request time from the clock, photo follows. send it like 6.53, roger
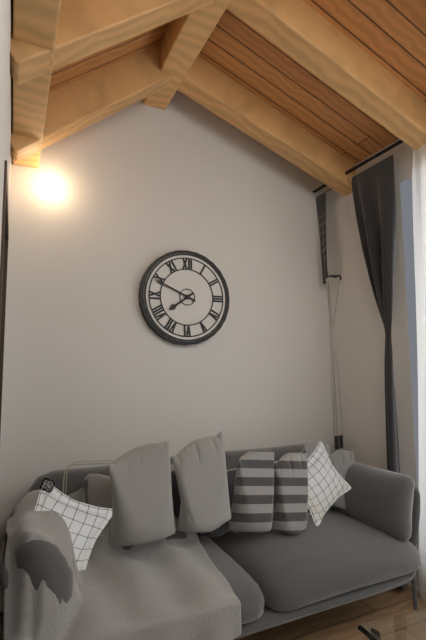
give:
7.49
